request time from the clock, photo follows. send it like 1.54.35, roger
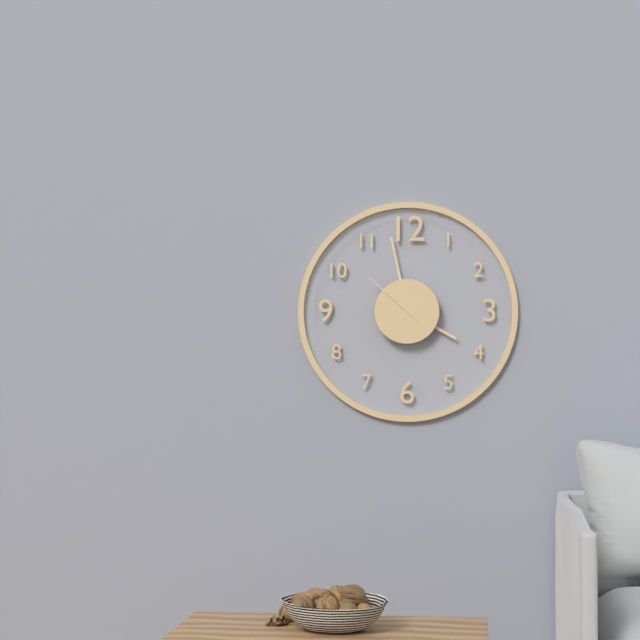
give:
3.58.52
